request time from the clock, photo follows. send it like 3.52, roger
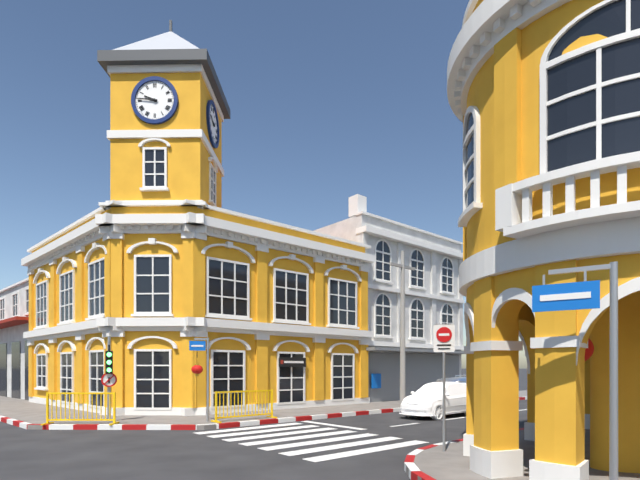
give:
9.46
